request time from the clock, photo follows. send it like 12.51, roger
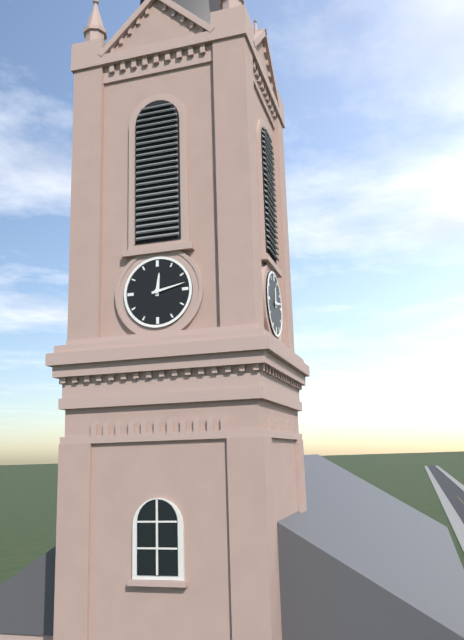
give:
12.13
